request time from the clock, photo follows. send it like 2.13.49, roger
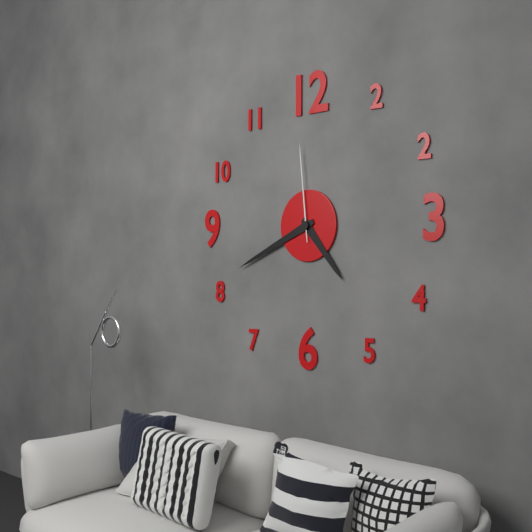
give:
4.41.59
